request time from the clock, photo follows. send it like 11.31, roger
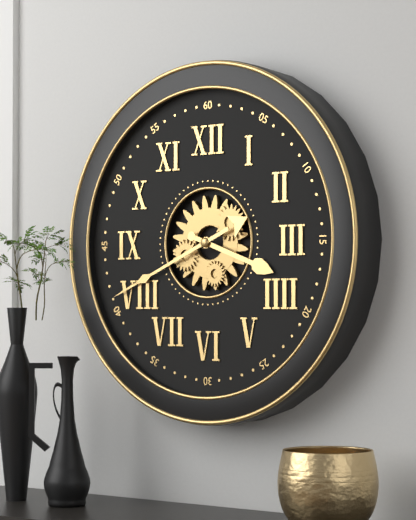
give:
3.41
